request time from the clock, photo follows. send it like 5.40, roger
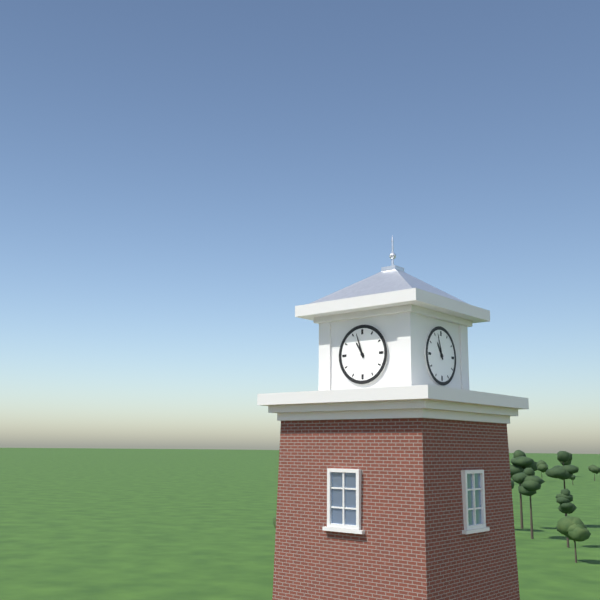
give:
10.57
